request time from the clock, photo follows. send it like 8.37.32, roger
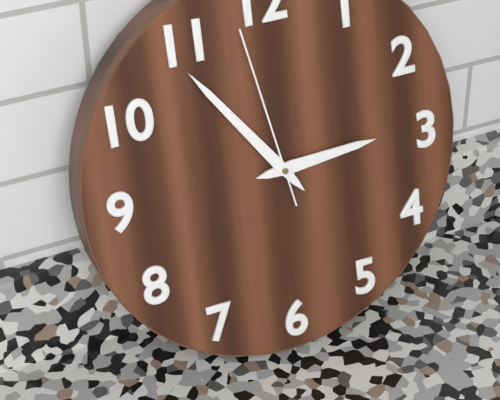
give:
2.54.58
